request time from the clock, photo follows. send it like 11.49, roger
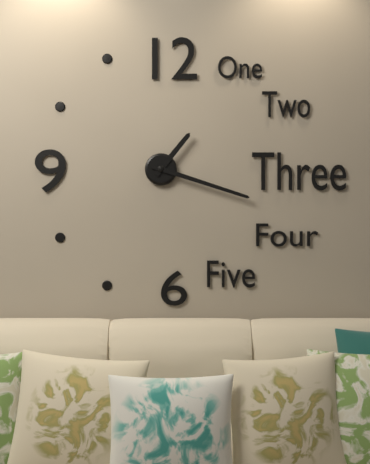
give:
1.18
